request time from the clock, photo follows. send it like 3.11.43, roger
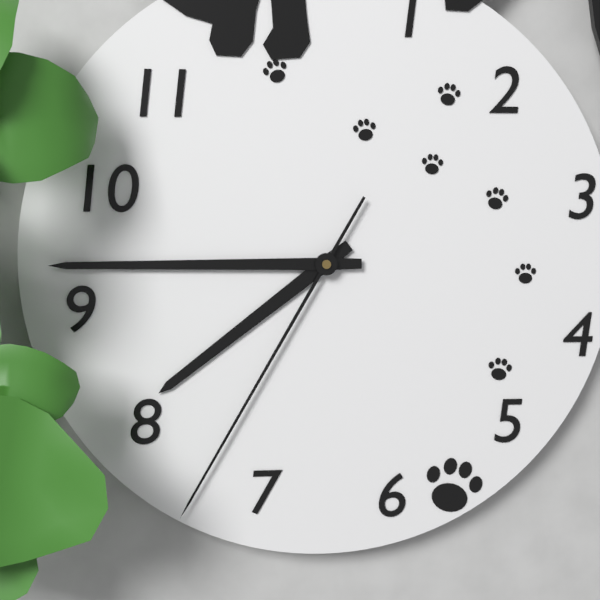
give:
7.45.35
